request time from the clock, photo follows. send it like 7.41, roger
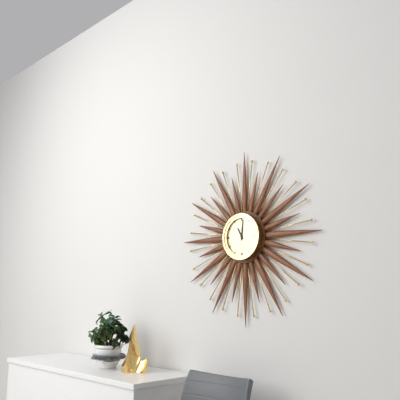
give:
11.01
